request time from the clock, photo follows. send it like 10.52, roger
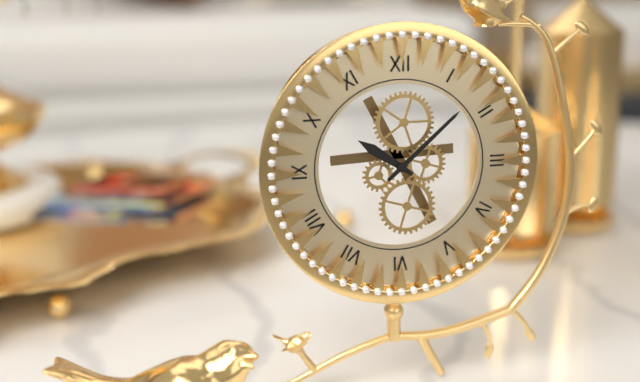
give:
10.08
